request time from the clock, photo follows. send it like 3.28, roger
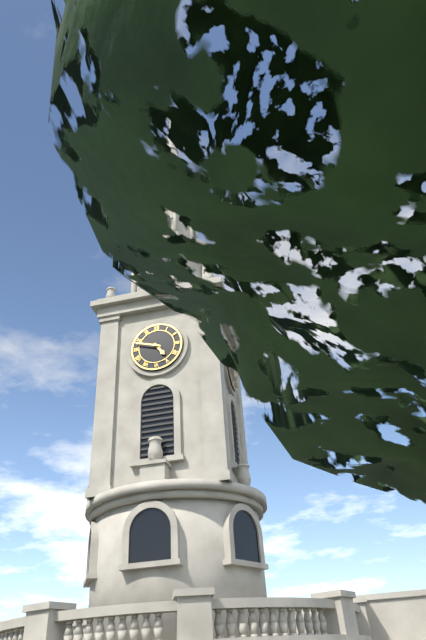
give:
4.48
